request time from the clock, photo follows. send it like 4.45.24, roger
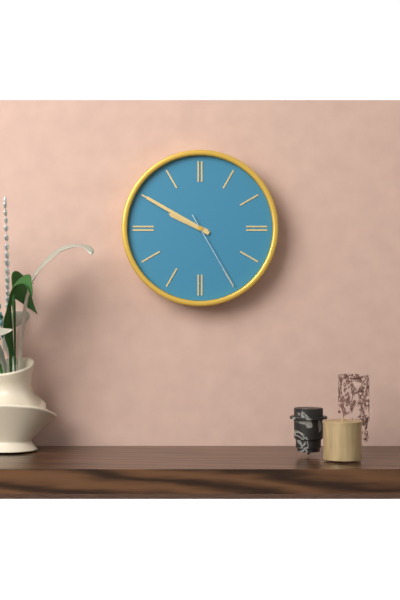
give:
9.50.25
